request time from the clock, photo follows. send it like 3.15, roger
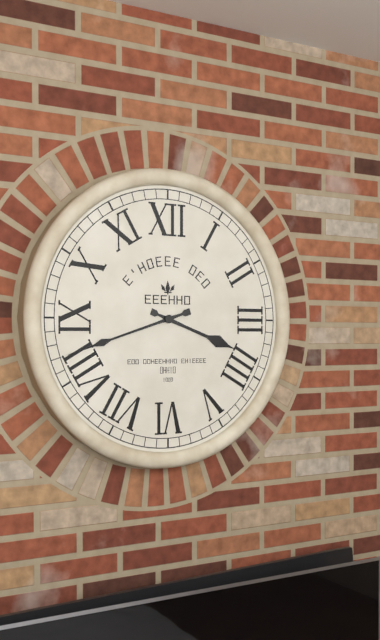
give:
3.42
